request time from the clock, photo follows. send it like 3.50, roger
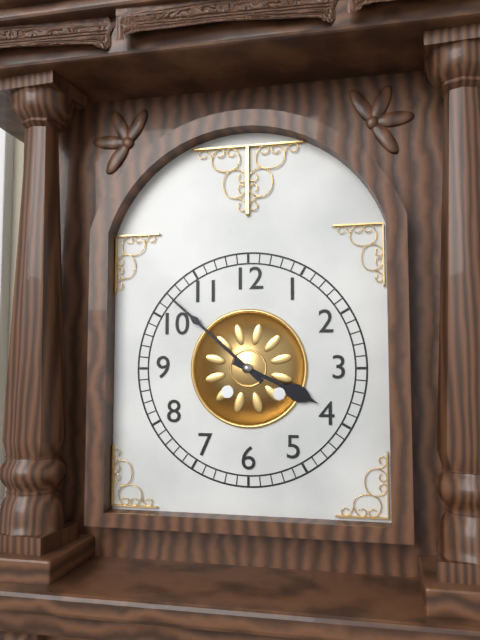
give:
3.52
